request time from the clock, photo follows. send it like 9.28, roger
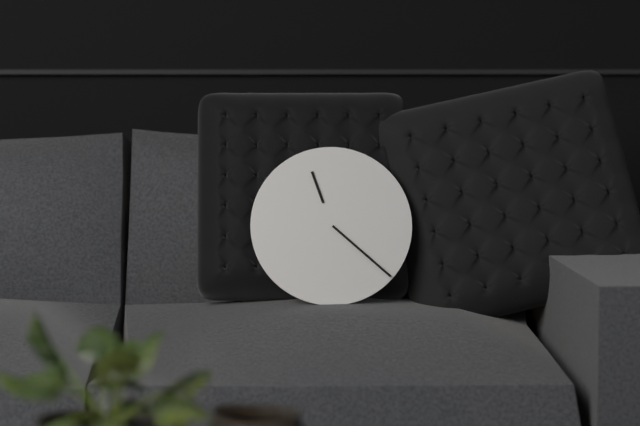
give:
11.22
